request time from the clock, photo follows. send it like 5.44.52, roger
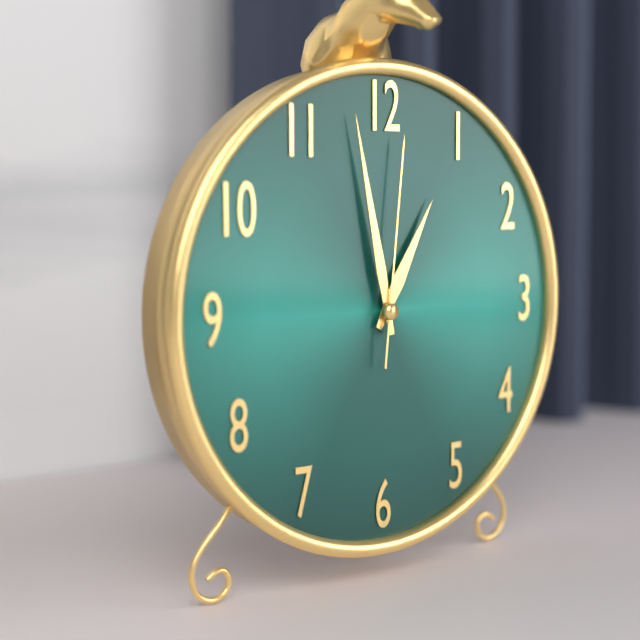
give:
12.58.01
